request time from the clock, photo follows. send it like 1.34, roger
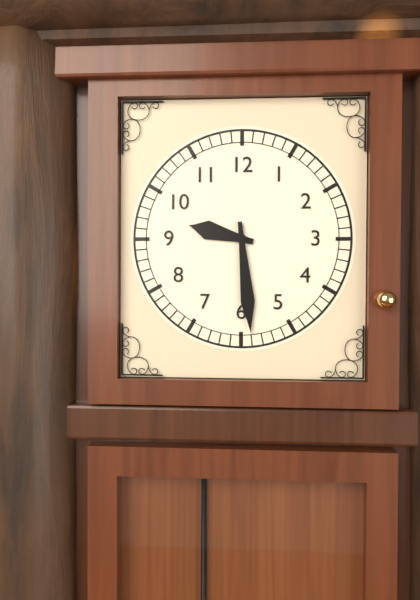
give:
9.29
